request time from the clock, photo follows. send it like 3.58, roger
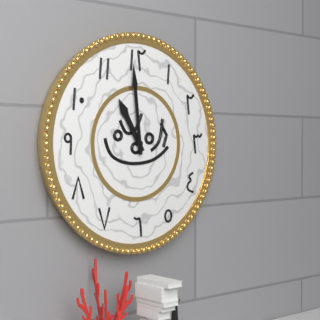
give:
10.59
